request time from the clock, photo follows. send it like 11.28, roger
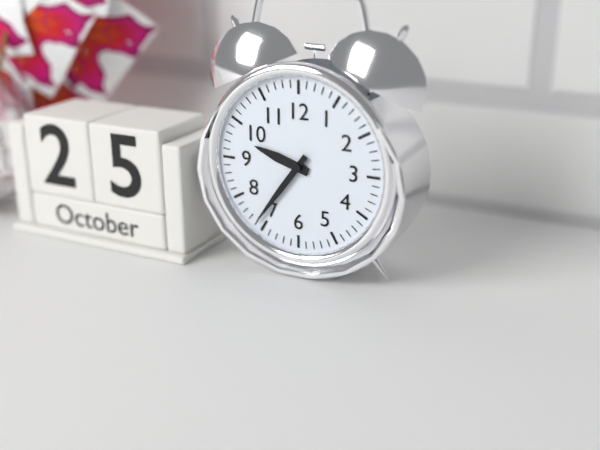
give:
9.36
